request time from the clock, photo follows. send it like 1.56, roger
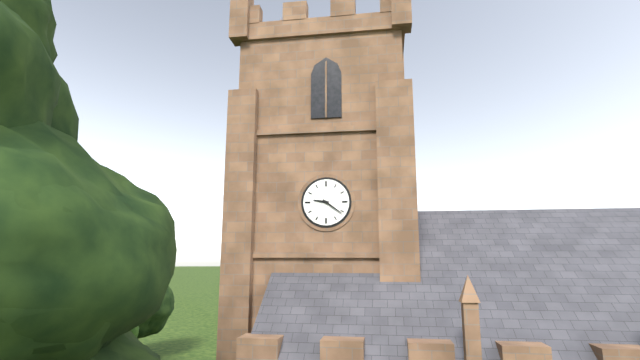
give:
9.21
